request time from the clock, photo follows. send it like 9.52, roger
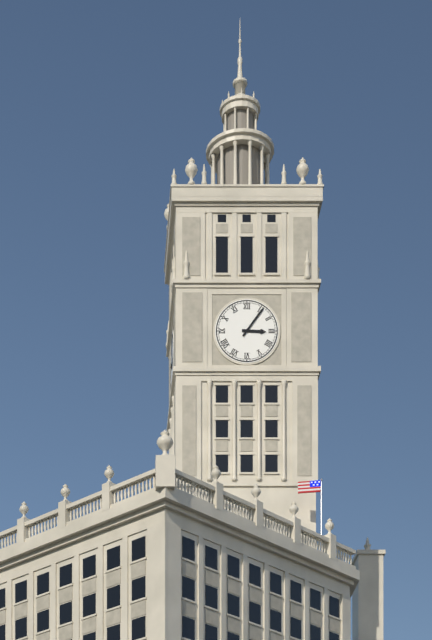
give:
3.06
